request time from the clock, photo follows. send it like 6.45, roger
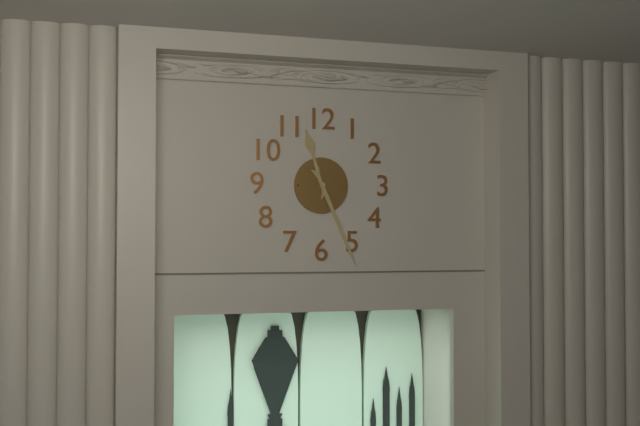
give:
11.26
